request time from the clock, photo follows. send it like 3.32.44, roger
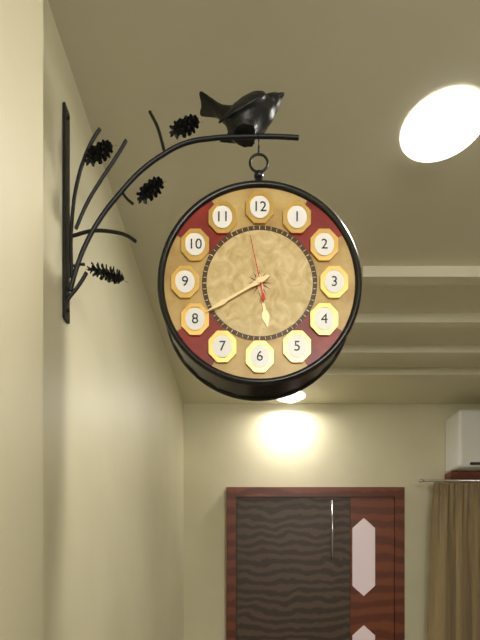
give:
5.40.58
